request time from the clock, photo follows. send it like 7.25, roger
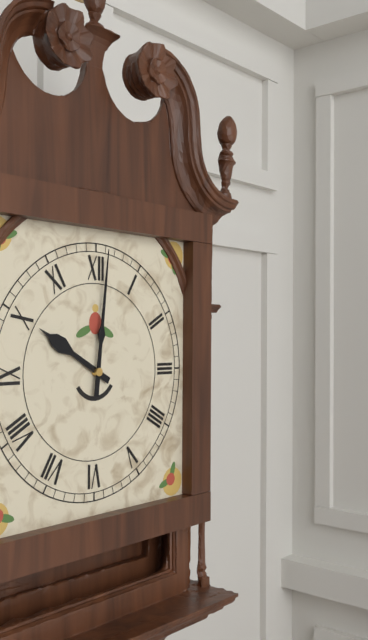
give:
10.01
